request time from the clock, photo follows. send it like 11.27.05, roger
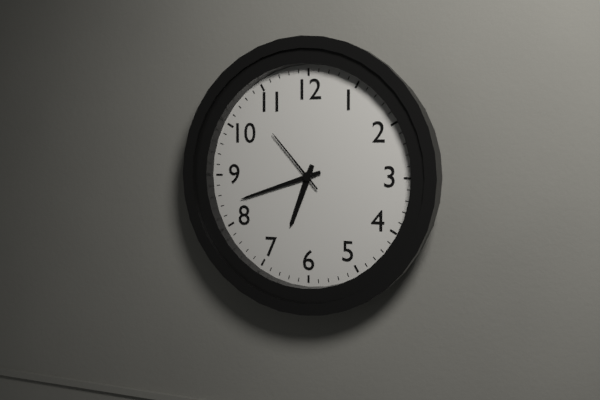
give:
6.42.53
